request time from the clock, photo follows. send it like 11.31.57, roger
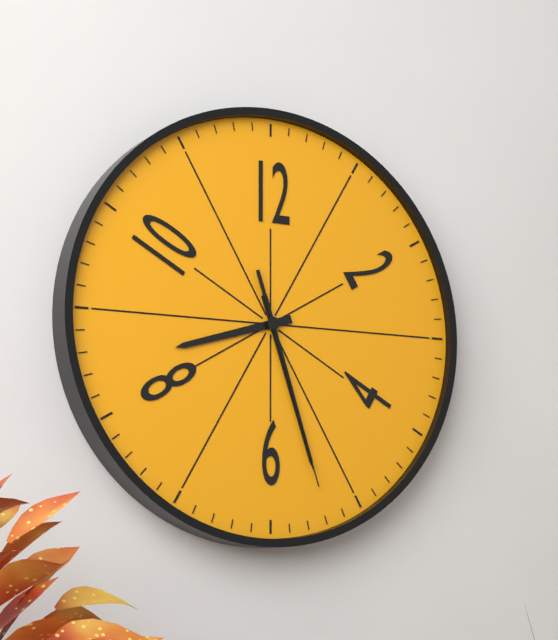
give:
8.27.27
